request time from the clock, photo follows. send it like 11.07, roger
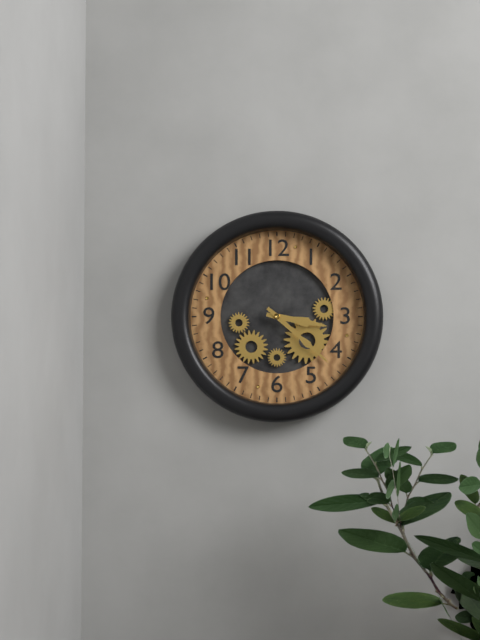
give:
3.22
